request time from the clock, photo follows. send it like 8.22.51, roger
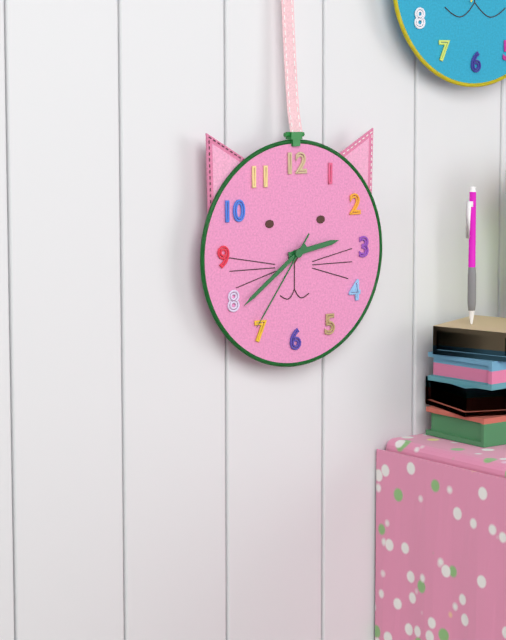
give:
2.39.36
